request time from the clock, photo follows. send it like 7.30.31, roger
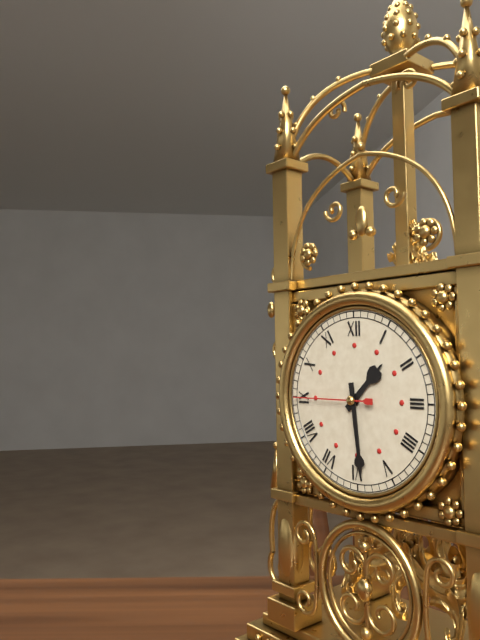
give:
1.29.45
